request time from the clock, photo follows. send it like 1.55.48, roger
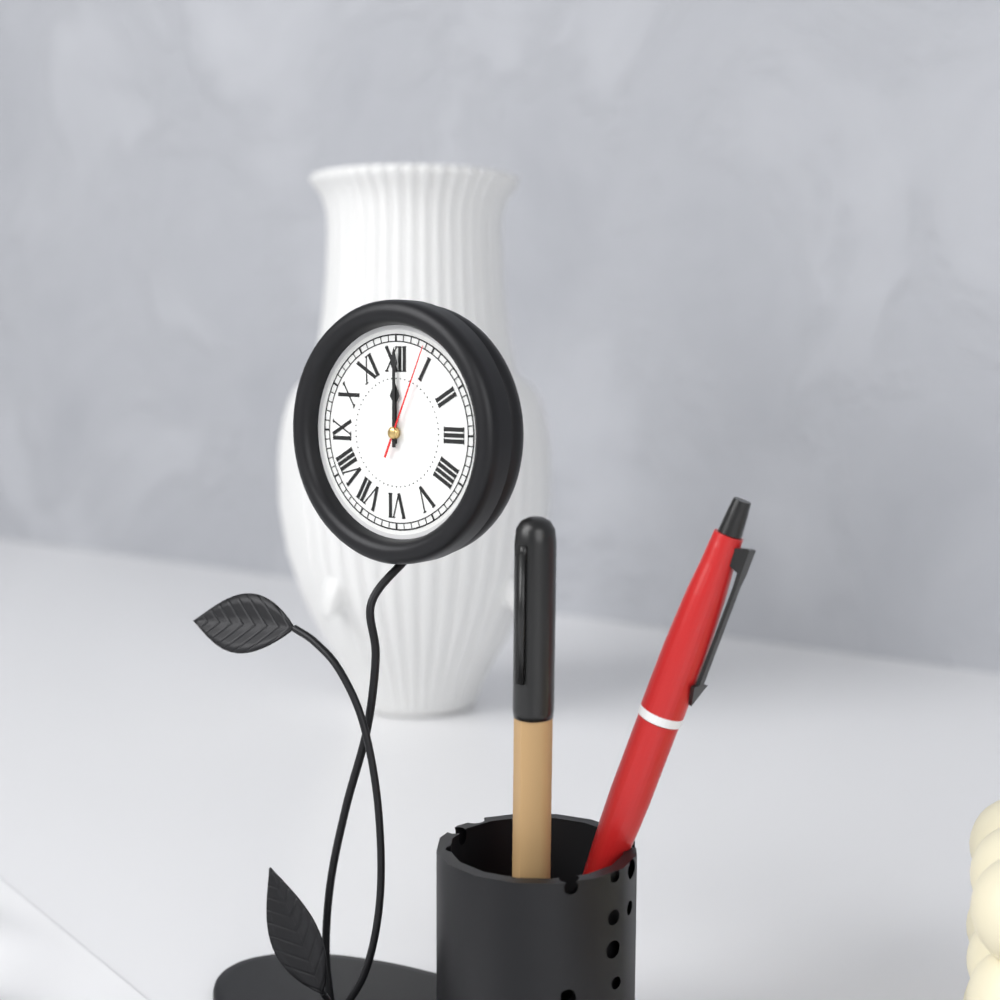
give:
12.00.04
